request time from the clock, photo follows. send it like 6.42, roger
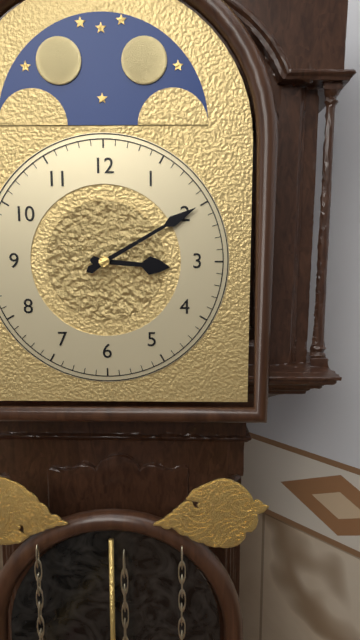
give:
3.10
